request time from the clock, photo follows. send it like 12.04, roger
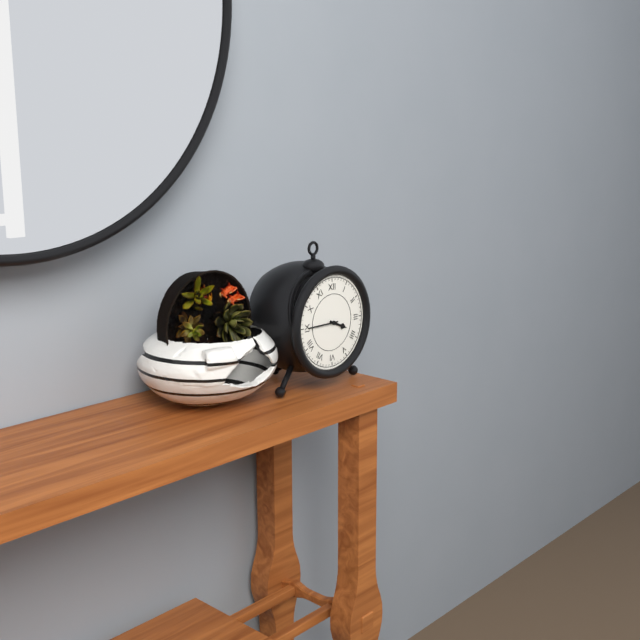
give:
3.45
